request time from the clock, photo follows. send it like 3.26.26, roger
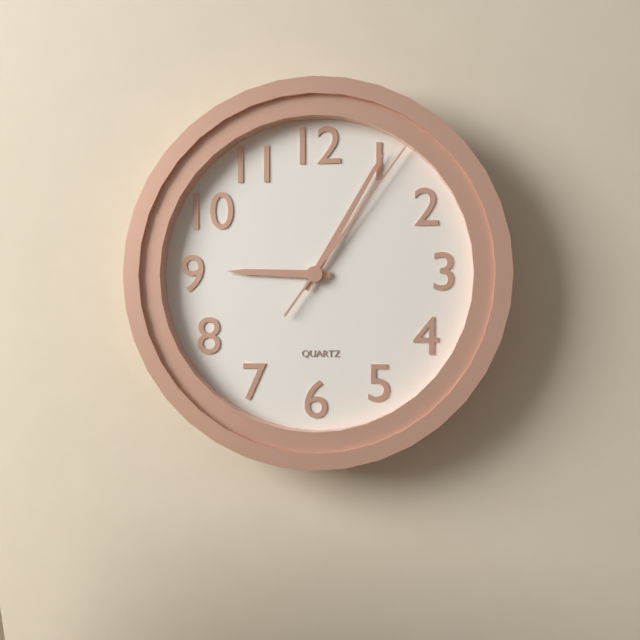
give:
9.05.06
